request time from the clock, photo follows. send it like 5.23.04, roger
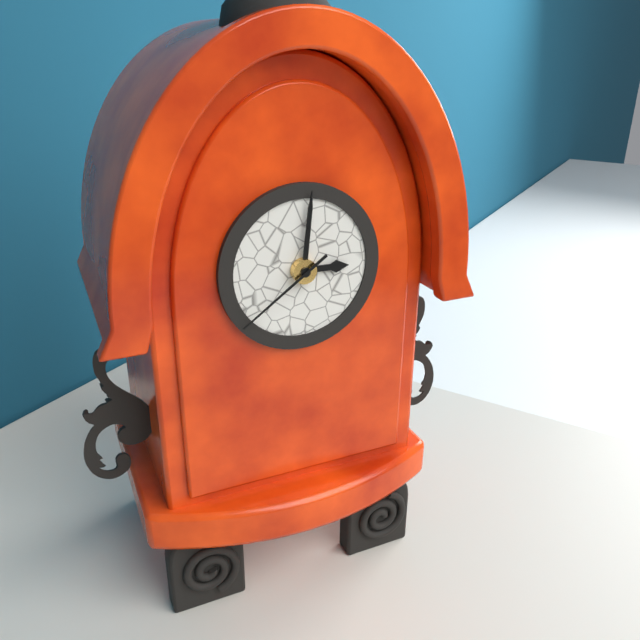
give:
3.01.39
